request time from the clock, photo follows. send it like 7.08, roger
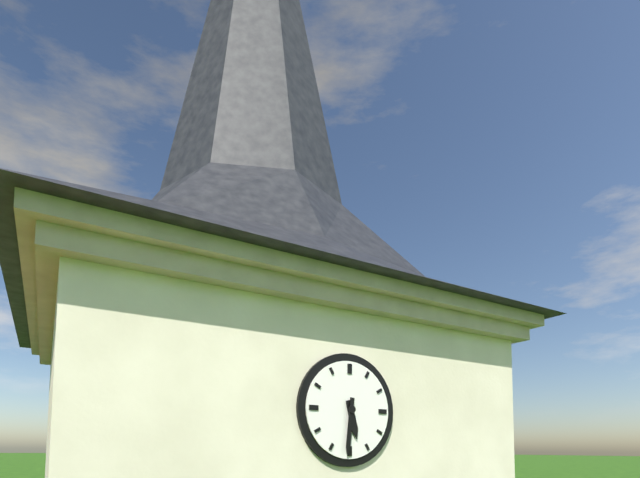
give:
5.31
